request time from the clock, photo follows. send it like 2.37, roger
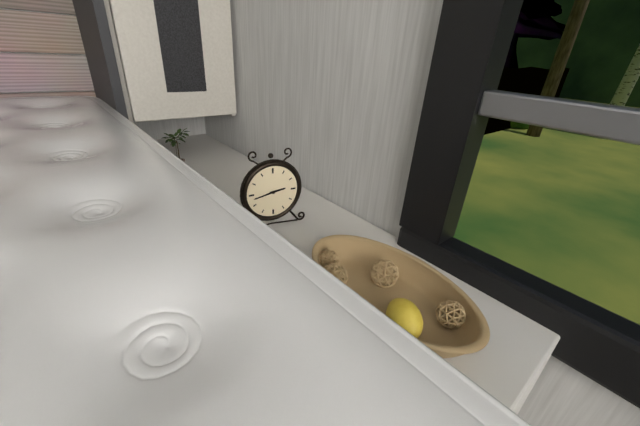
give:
2.43
